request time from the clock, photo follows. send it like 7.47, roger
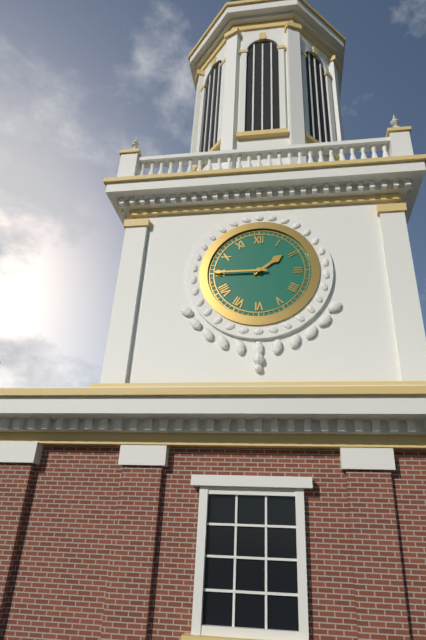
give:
1.45
